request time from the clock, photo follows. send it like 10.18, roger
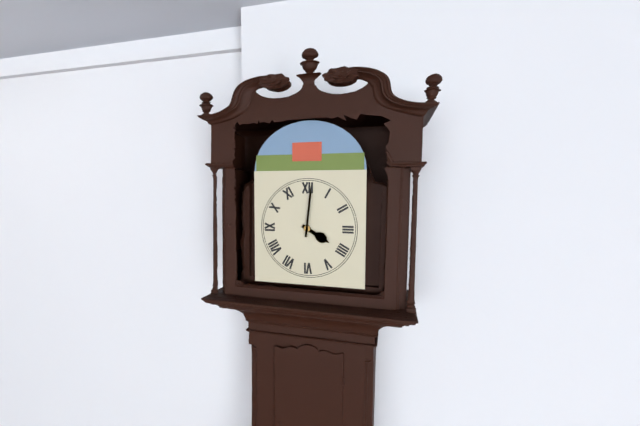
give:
4.01
